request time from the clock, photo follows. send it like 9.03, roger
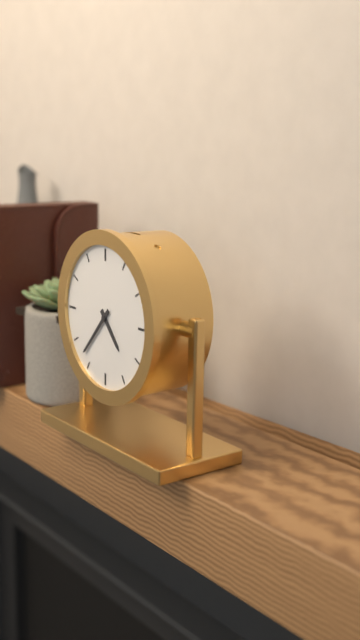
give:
4.37
